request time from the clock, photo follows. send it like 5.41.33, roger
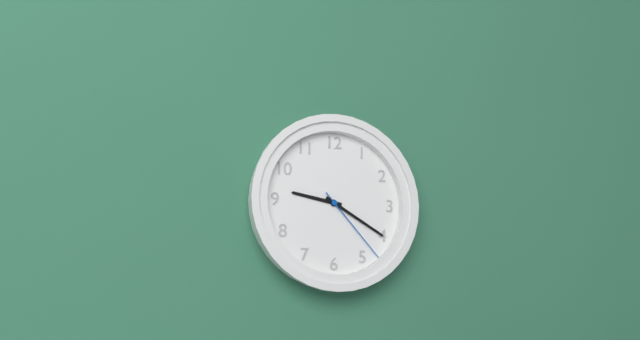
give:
9.20.23
